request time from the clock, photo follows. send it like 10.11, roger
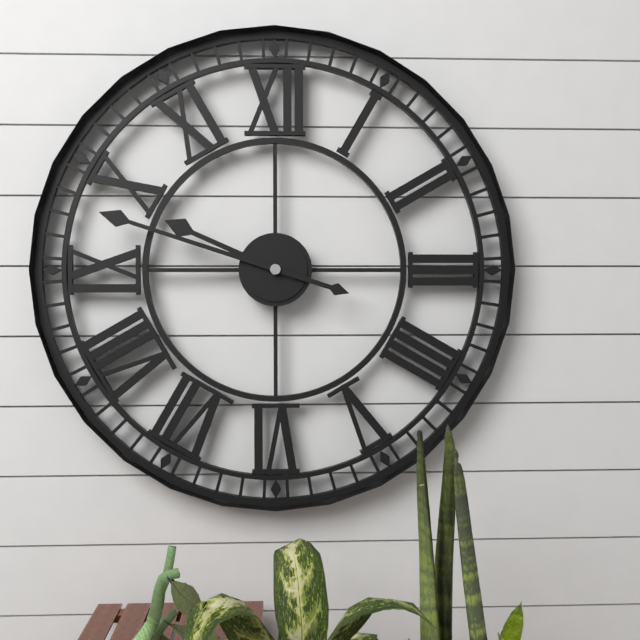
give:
9.48
